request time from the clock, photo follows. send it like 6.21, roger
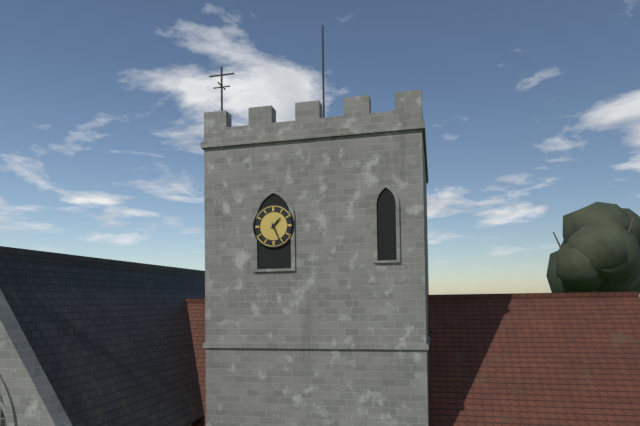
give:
1.26
